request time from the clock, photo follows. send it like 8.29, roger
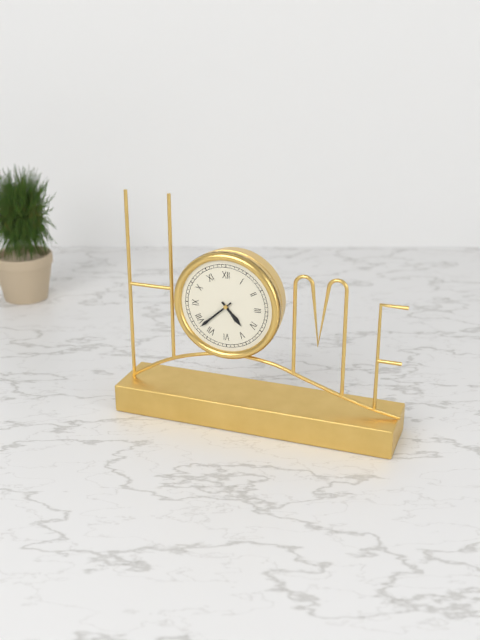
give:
4.38
